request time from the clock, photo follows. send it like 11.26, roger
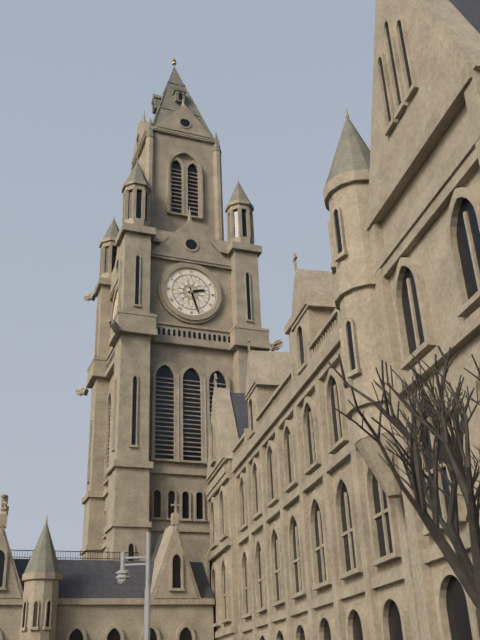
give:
2.27
